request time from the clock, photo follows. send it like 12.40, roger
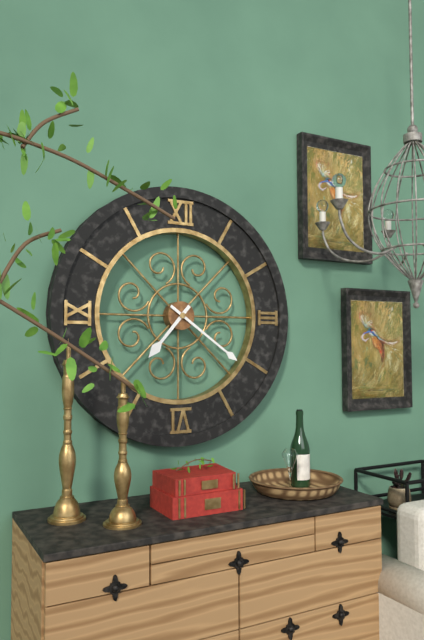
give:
7.21
